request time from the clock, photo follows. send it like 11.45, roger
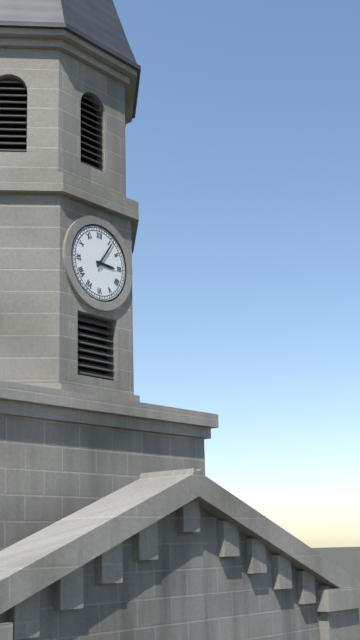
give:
3.06
